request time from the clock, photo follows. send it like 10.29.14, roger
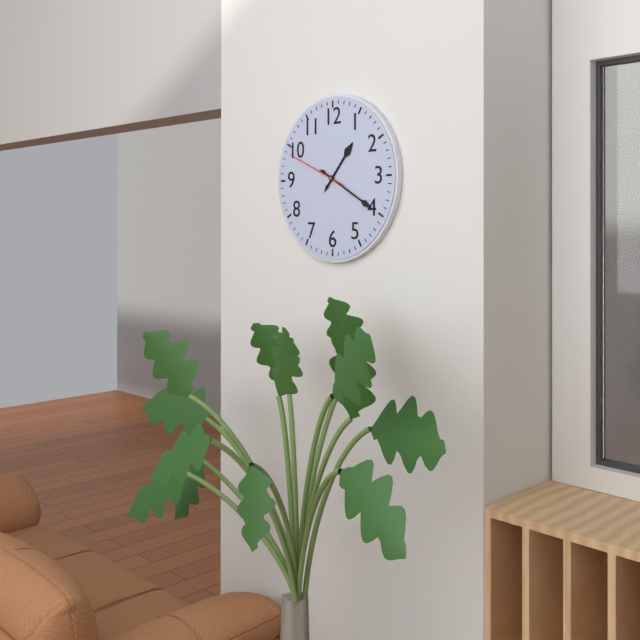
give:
1.20.49
